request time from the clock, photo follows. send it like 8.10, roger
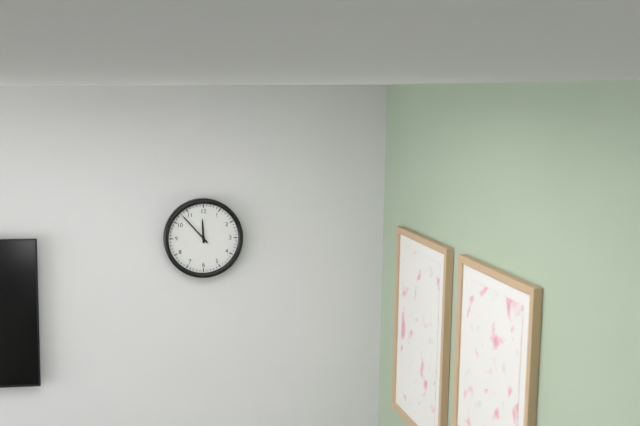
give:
11.53
